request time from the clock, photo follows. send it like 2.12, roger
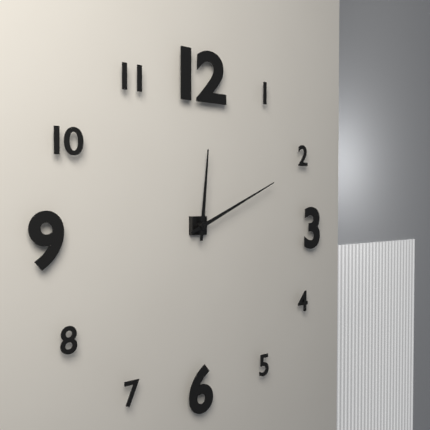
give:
12.11
